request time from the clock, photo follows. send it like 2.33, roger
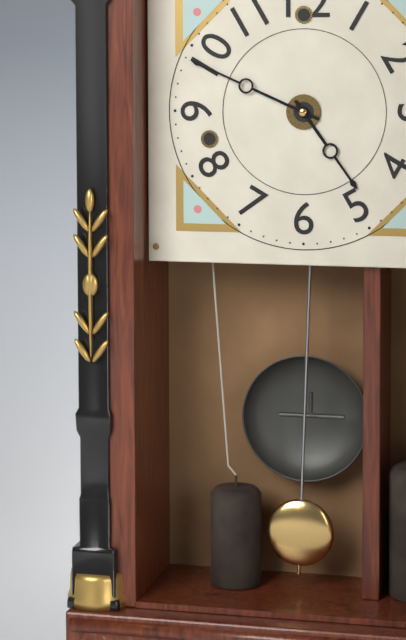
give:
4.49
